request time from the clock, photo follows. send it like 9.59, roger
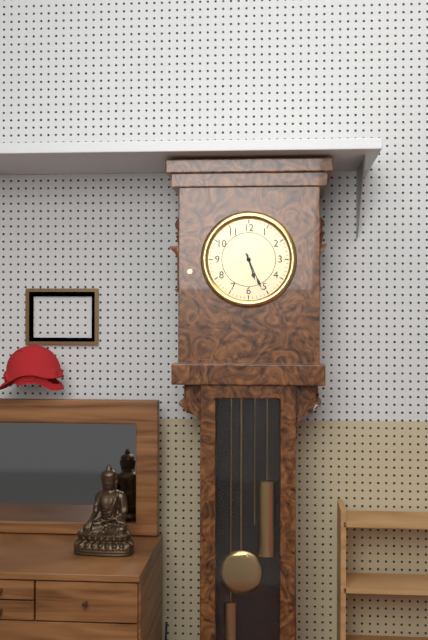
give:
5.26
